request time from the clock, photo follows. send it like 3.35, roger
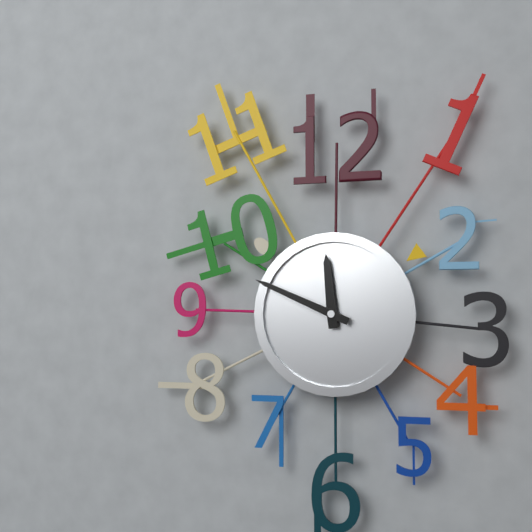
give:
11.49
